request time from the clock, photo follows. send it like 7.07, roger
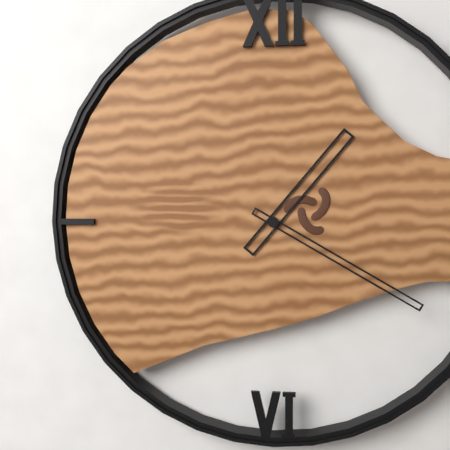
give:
1.20
